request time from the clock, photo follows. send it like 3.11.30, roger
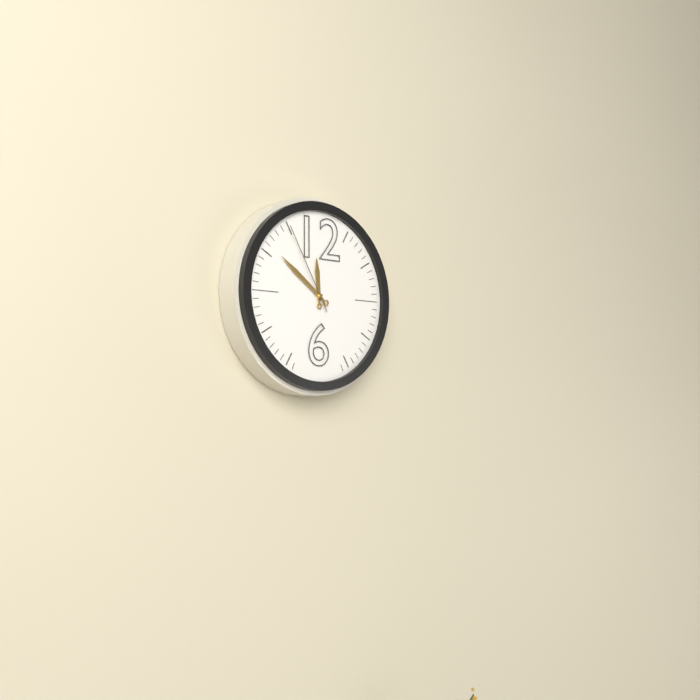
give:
11.51.55
